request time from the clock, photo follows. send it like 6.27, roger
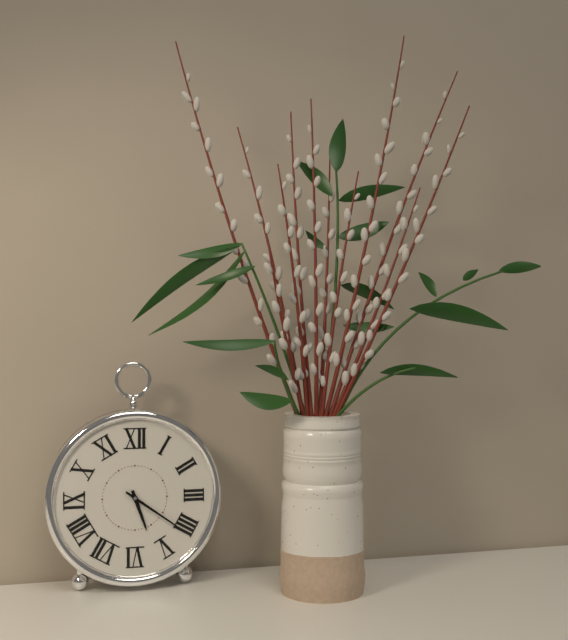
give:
5.21
